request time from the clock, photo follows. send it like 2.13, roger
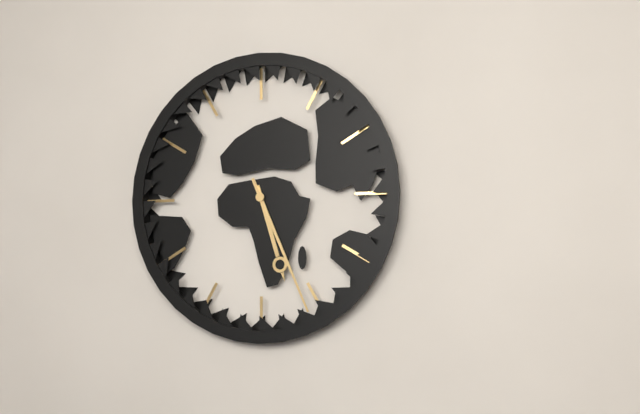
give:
5.26
